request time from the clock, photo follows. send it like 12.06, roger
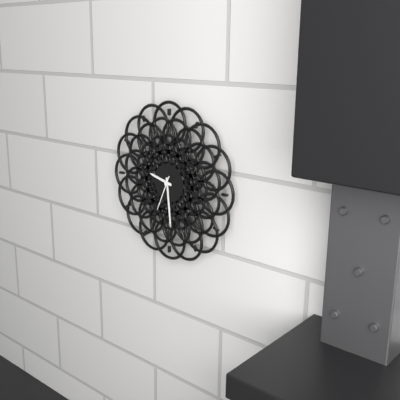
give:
9.29
